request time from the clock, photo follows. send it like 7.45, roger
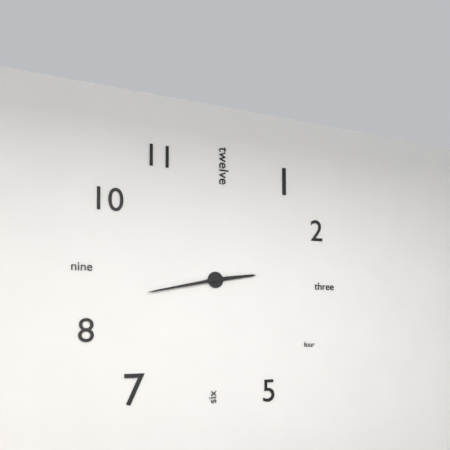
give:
2.43
